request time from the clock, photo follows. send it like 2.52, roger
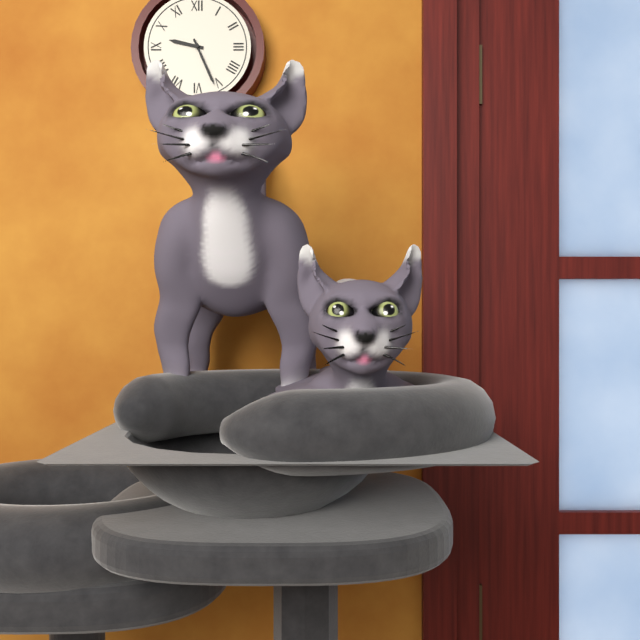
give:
9.26
